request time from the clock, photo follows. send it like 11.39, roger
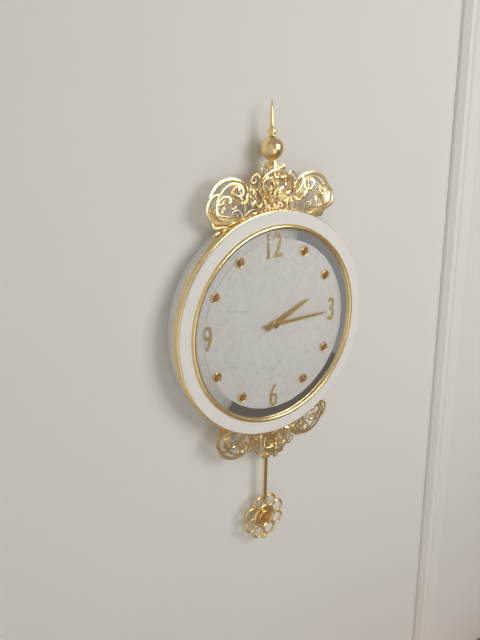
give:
2.15
